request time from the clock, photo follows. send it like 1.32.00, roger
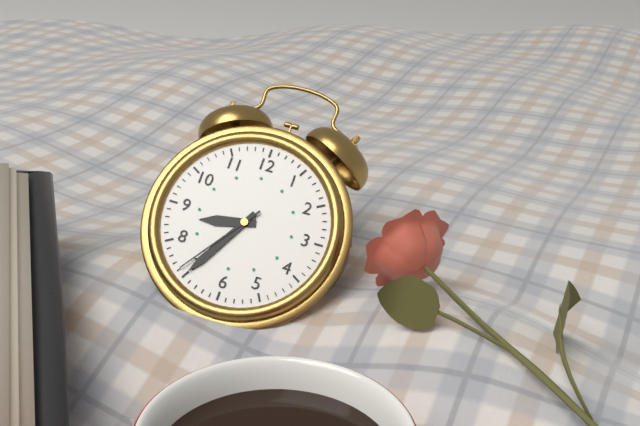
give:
8.35.36
